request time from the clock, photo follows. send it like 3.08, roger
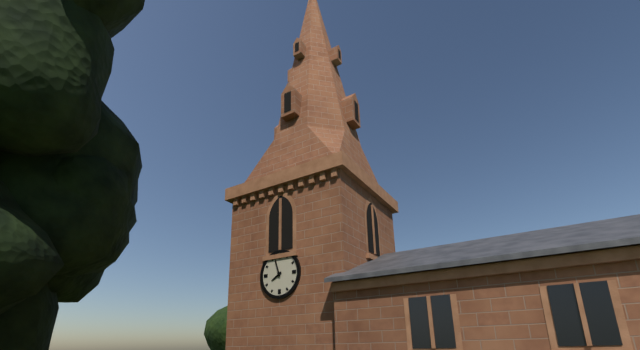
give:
7.57
